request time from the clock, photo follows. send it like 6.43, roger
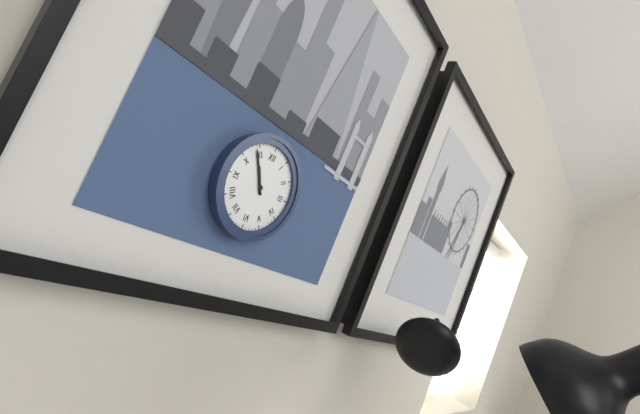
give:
10.54
